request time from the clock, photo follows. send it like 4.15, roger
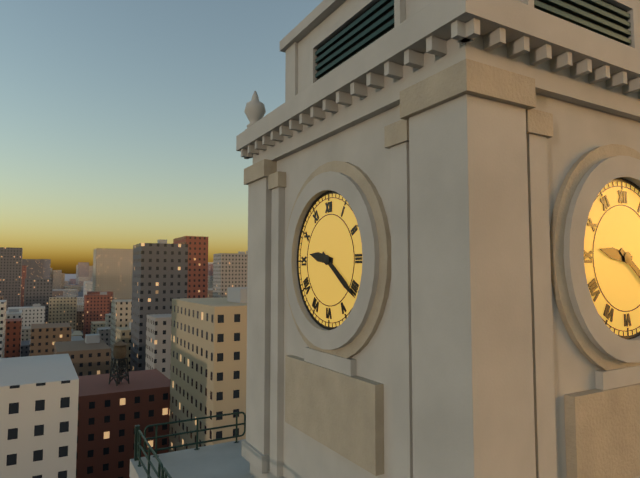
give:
9.21
